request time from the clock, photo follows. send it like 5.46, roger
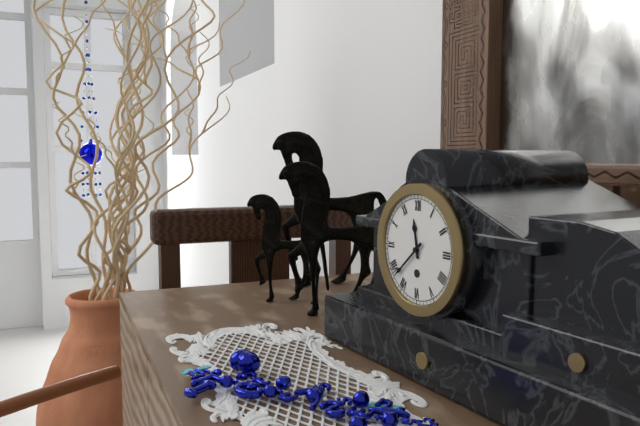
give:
11.38
